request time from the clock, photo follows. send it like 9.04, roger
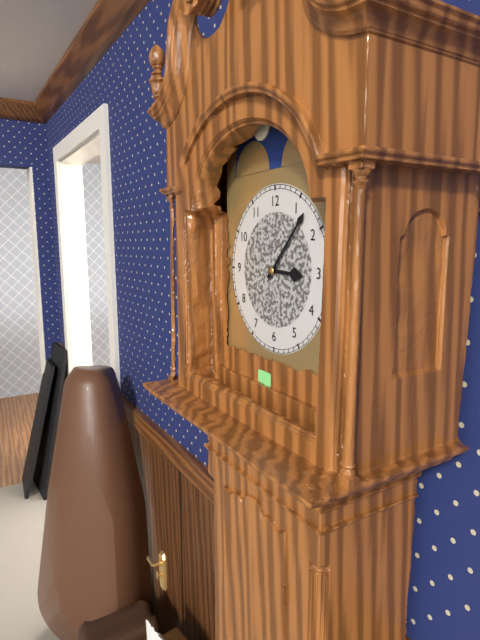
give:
3.07
